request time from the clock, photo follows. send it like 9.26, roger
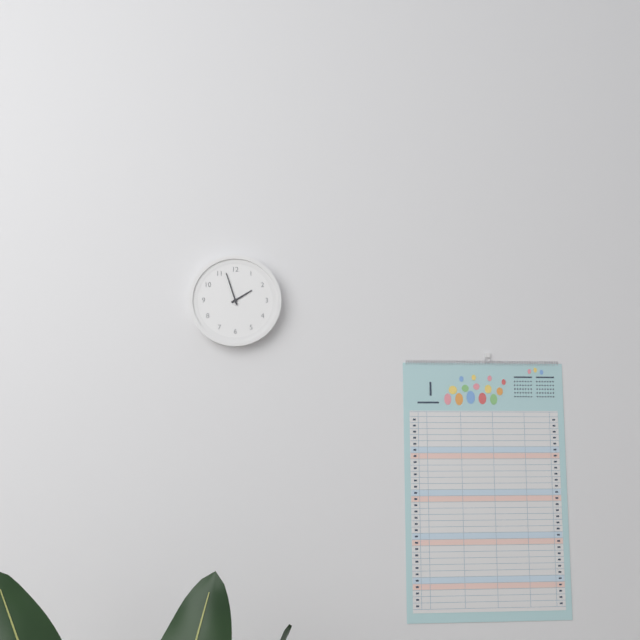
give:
1.57
